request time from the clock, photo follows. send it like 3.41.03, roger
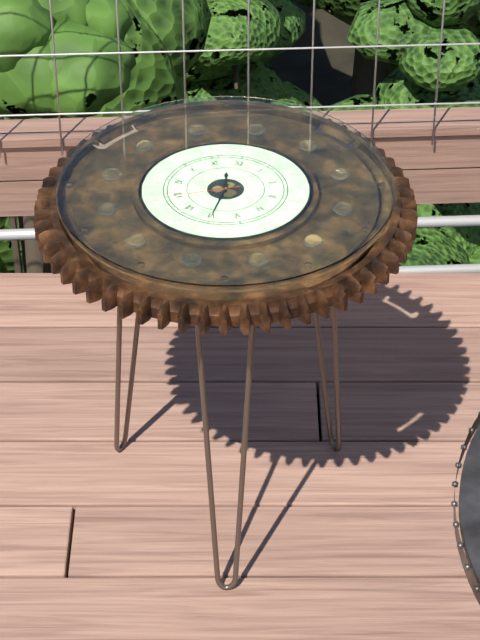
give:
11.30.40
